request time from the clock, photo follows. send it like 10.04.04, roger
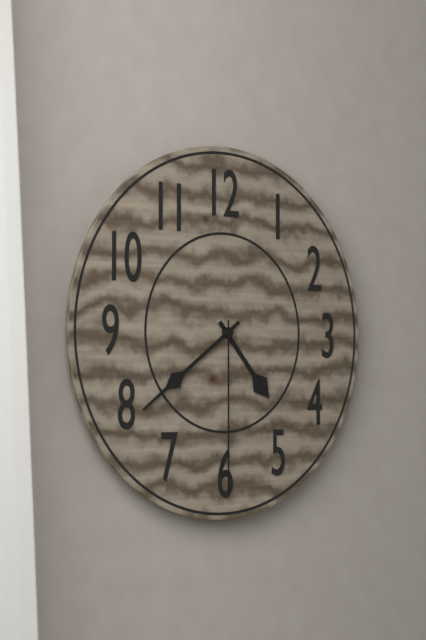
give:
4.39.30
